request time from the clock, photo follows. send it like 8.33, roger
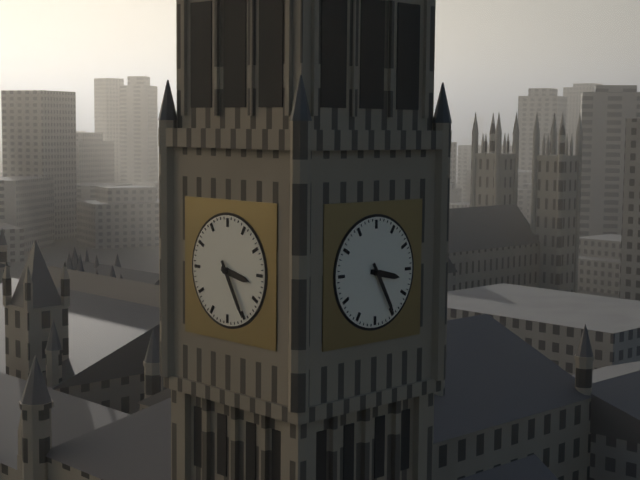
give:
3.25
